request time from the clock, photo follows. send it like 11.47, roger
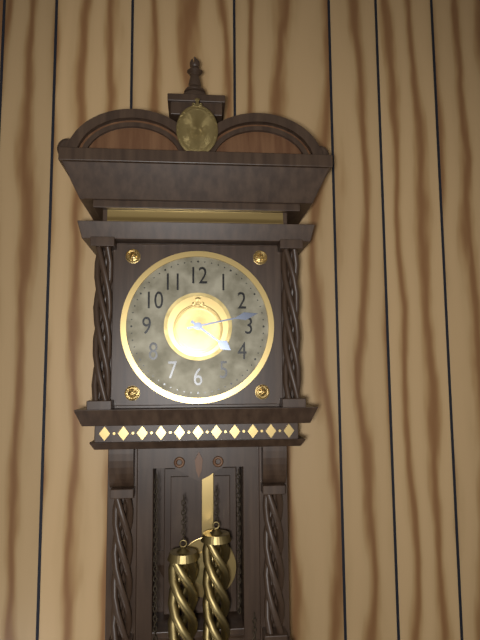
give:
4.13
